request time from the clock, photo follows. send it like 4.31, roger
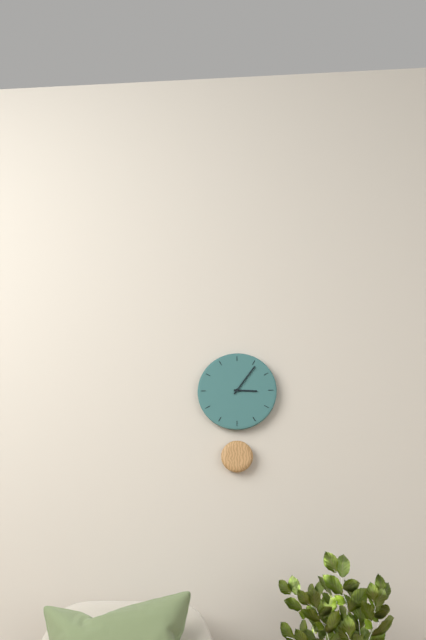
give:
3.06
